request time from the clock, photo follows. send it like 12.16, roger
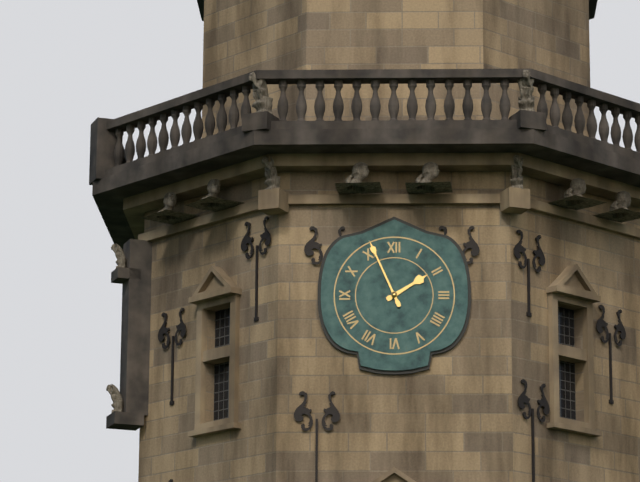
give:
1.56
